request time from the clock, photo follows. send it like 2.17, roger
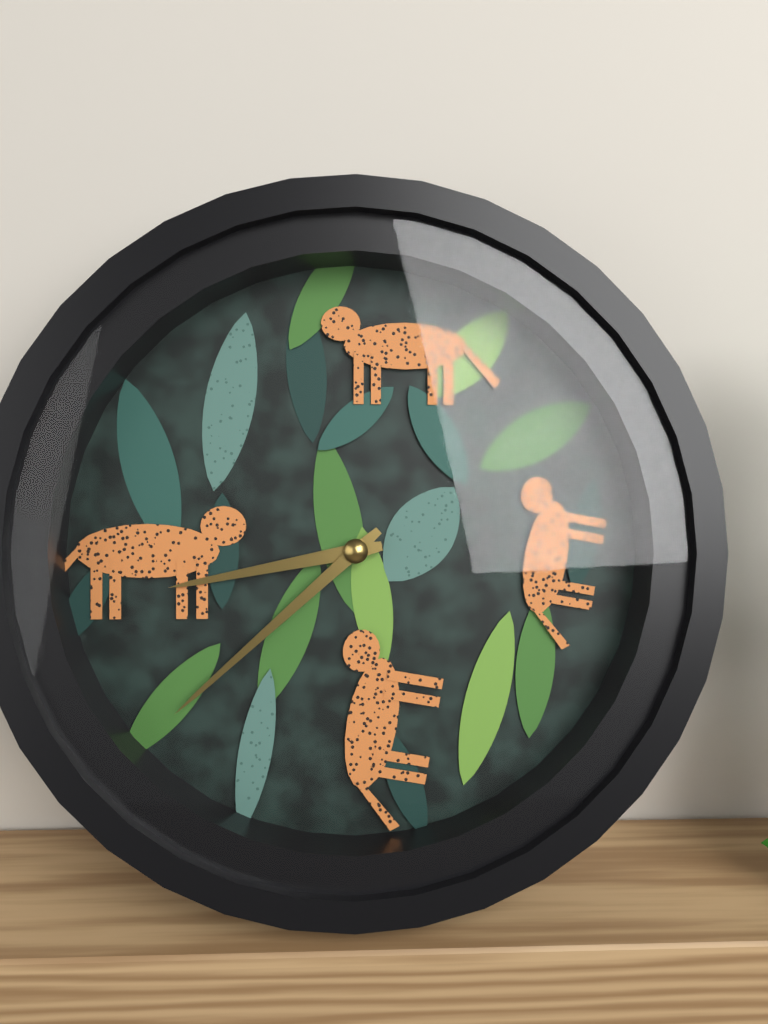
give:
8.38
